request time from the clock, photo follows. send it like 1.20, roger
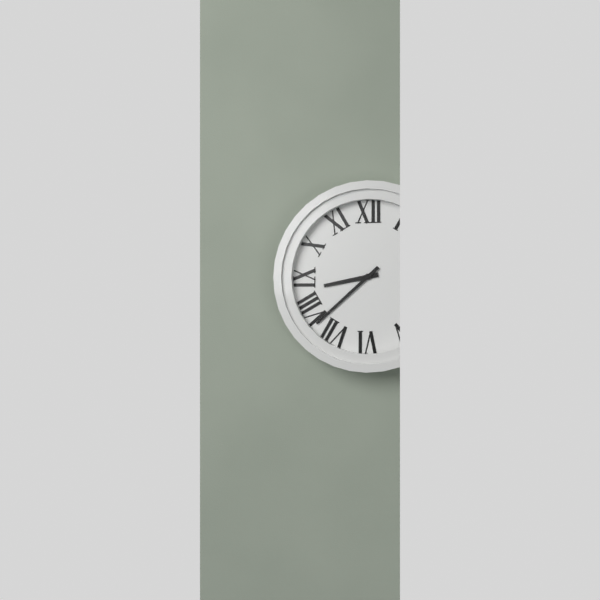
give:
8.38
